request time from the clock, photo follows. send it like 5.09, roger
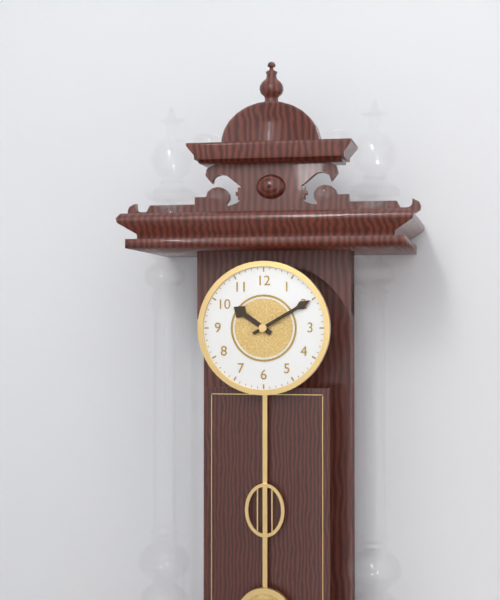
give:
10.10
